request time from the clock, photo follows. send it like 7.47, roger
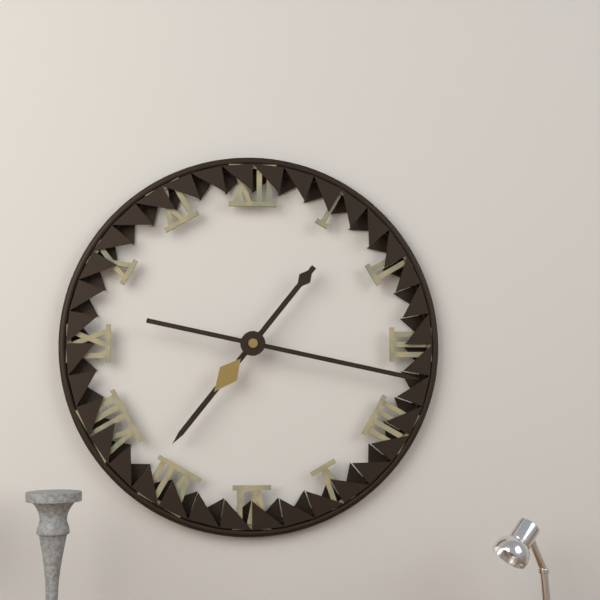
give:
7.17
